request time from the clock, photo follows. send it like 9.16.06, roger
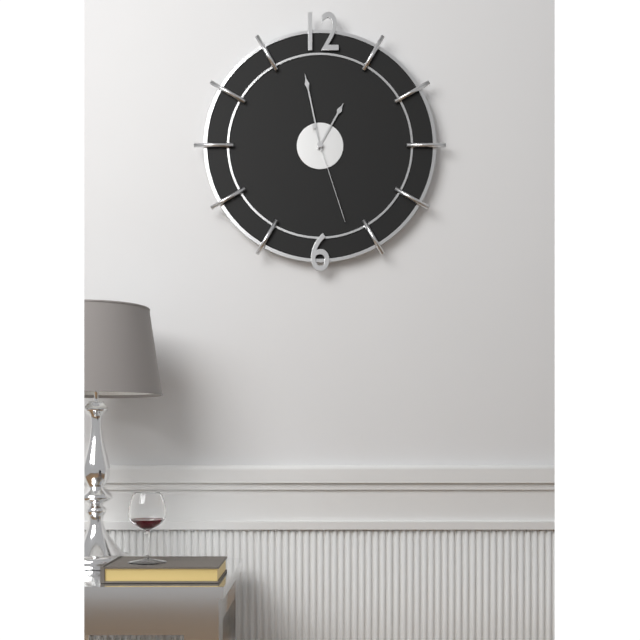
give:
12.58.27
